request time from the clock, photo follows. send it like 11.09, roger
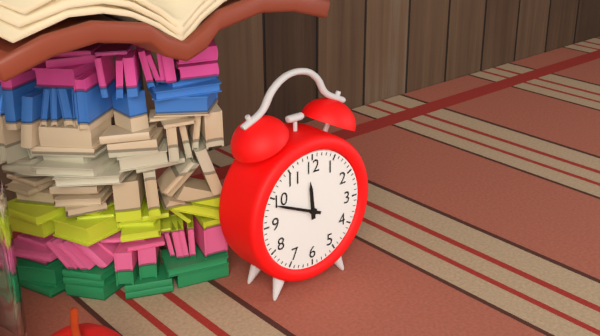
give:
11.49
